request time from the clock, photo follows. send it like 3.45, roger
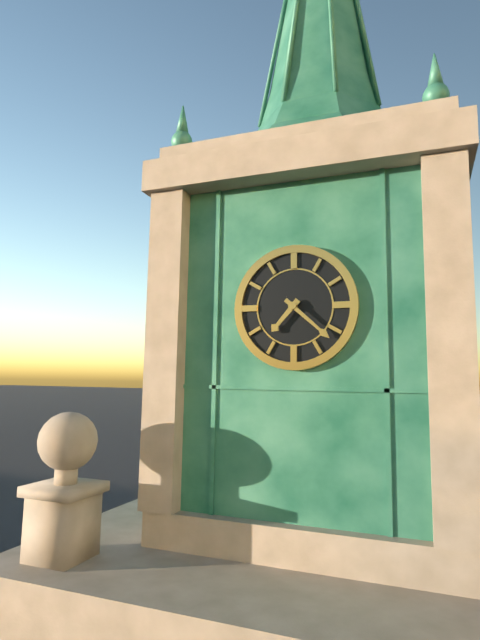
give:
7.22
